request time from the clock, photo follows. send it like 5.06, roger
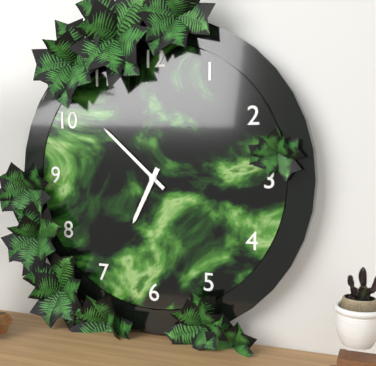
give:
6.52
